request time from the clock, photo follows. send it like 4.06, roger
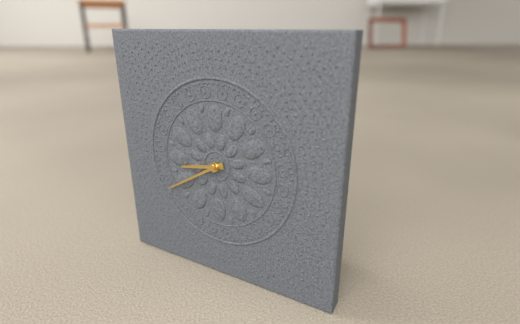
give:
8.40
